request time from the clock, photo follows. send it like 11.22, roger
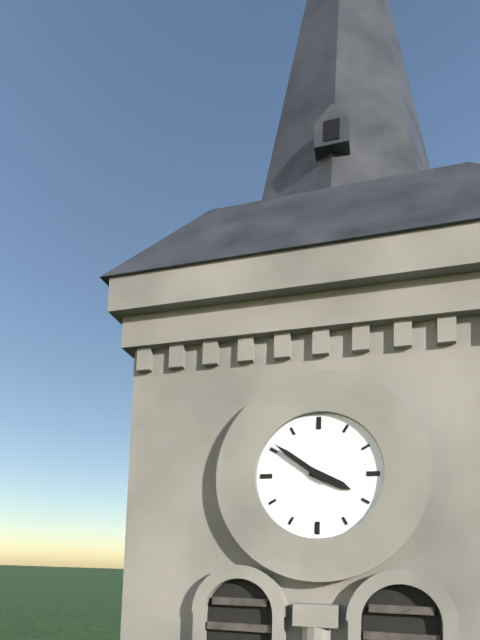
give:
3.51
